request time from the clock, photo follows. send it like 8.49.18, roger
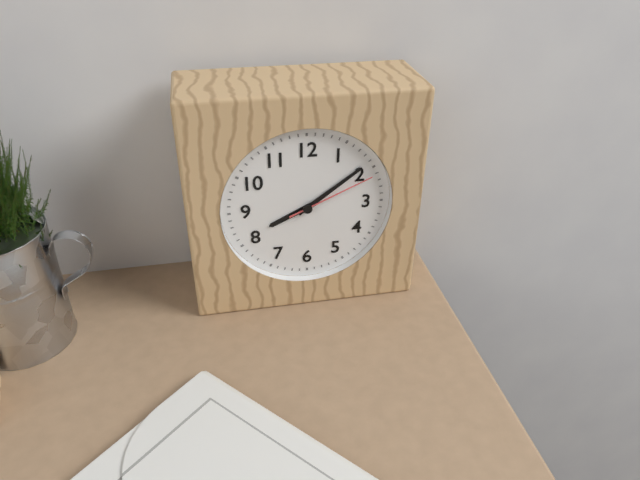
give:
8.09.11
